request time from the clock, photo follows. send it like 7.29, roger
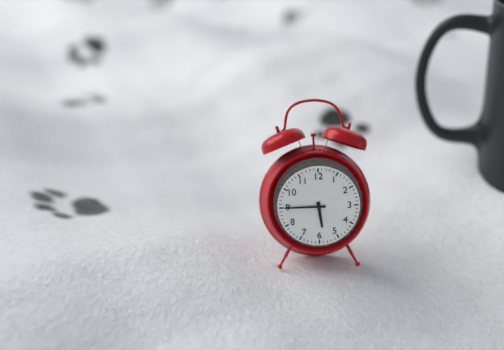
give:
5.45
